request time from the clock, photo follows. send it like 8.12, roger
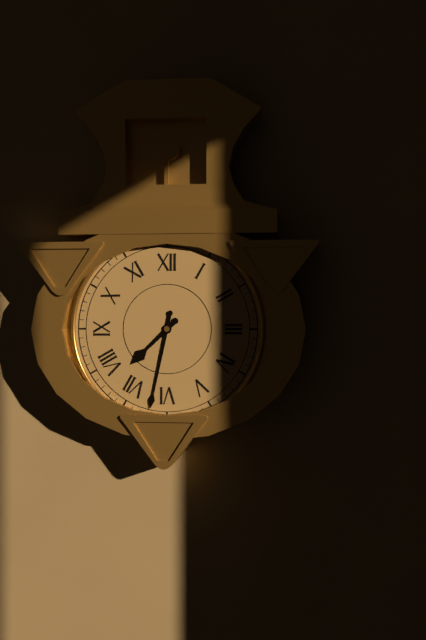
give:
7.32
